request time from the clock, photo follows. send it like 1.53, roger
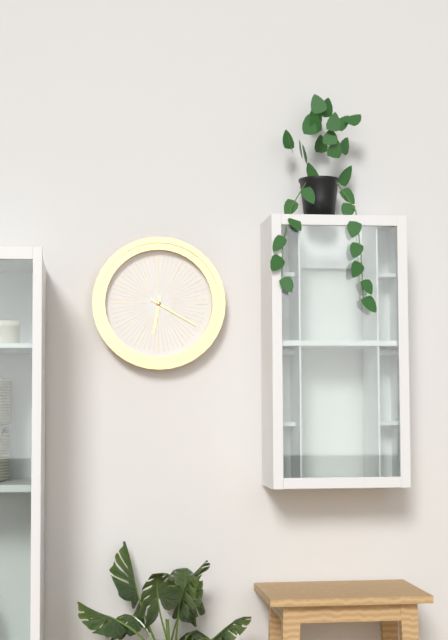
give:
6.20
